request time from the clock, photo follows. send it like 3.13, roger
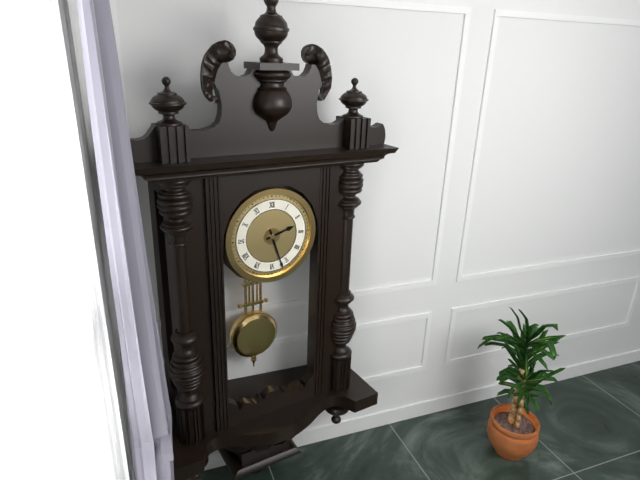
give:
2.27
